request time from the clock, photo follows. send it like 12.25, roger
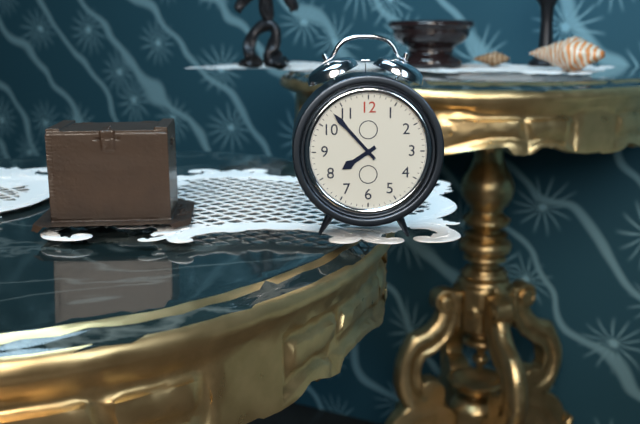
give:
7.53
